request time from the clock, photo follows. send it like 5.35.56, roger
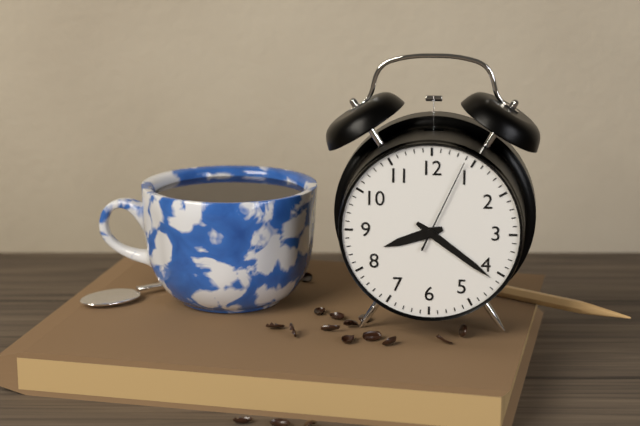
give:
8.21.04
